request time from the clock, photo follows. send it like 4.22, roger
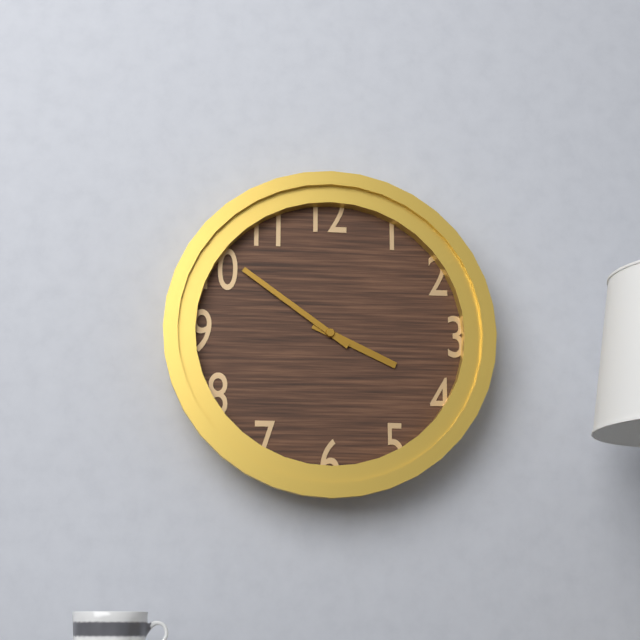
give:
3.51
